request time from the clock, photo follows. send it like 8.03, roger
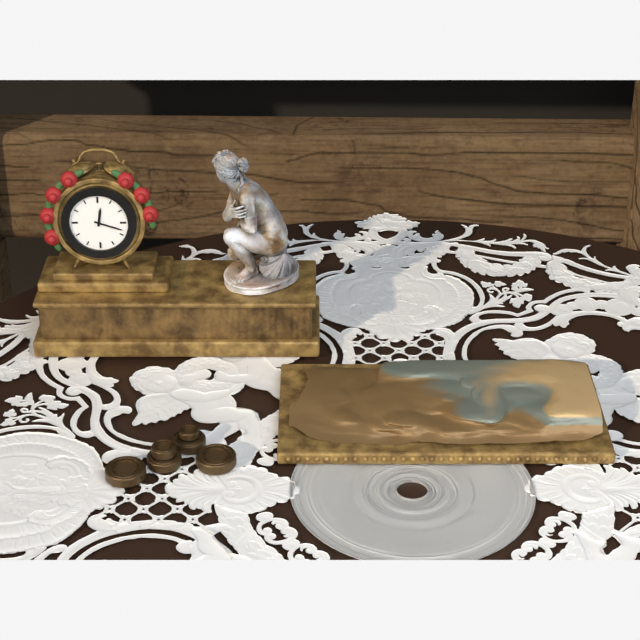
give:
12.18
